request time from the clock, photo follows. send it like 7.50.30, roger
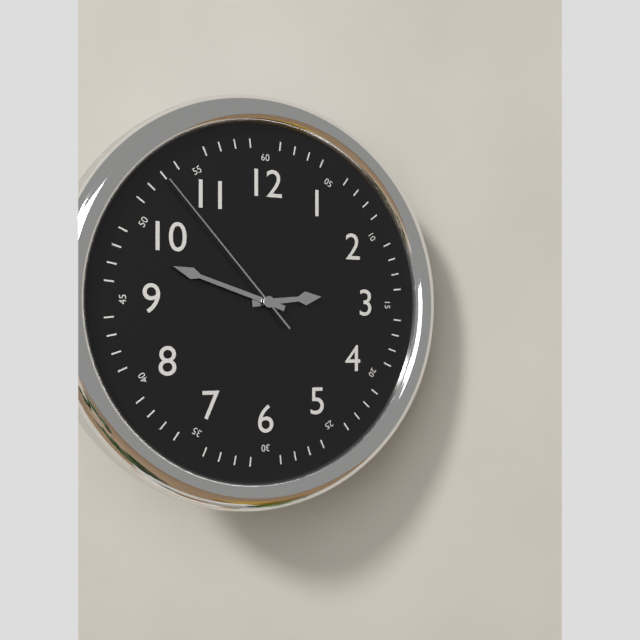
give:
2.48.53
